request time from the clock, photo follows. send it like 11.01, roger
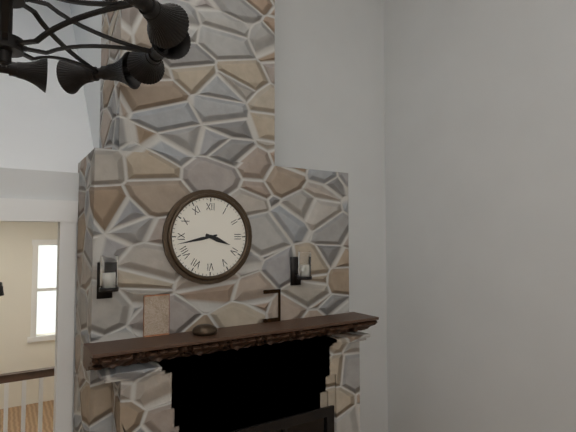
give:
3.43
